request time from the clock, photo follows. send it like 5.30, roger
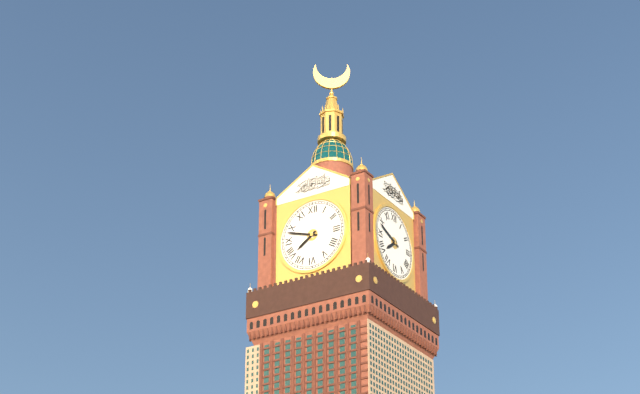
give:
7.48
